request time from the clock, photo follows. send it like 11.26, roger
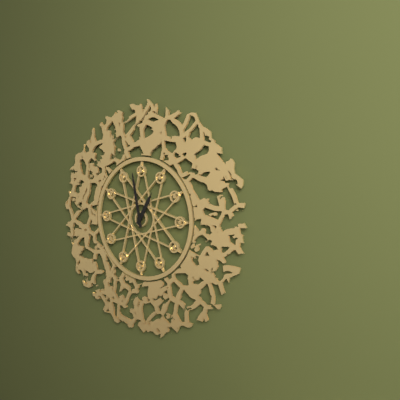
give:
12.58
